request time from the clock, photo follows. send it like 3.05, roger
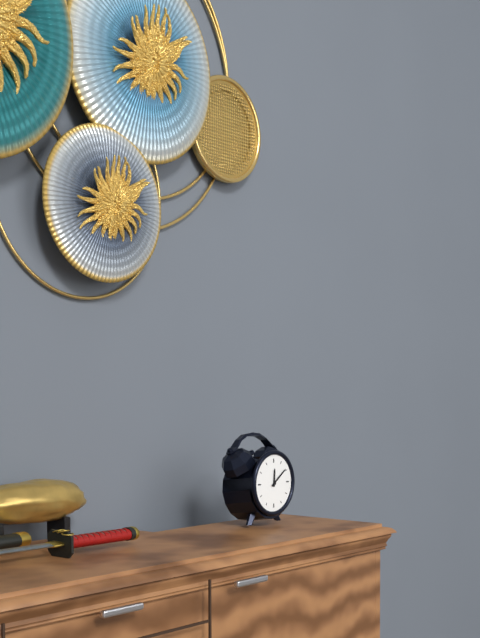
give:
12.09
